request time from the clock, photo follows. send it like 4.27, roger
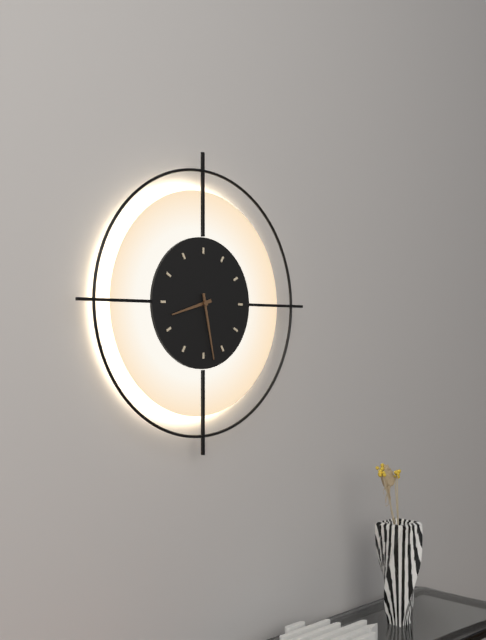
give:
8.28
